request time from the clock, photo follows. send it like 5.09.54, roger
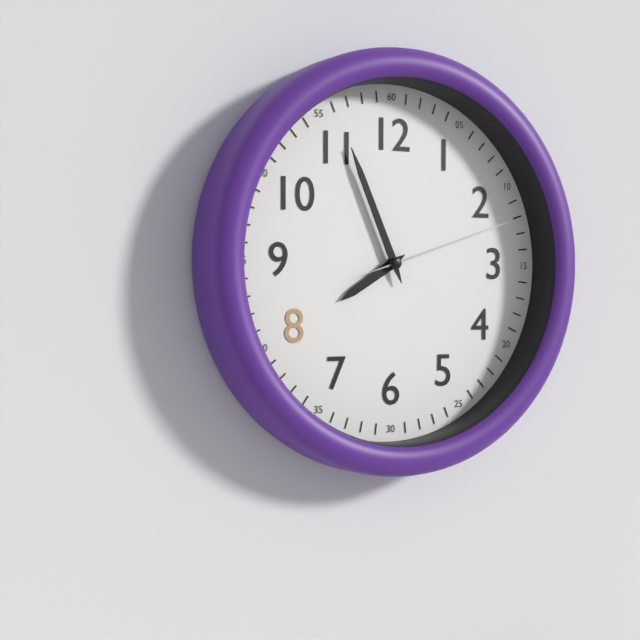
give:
7.56.12
